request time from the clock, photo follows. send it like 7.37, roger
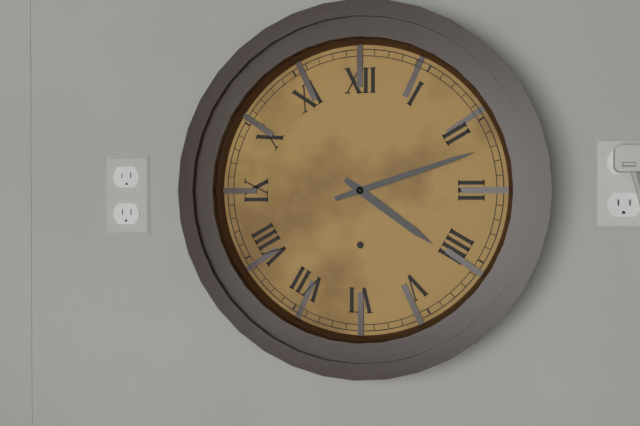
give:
4.12
